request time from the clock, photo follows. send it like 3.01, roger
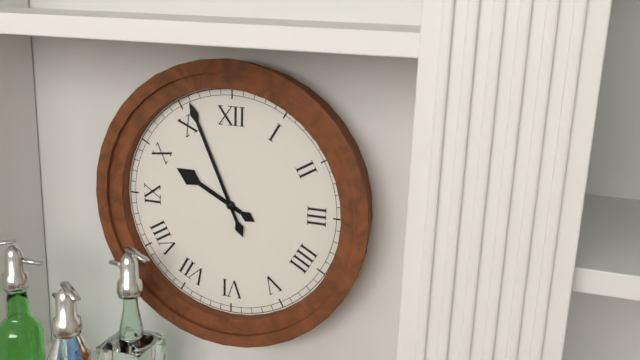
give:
9.56
